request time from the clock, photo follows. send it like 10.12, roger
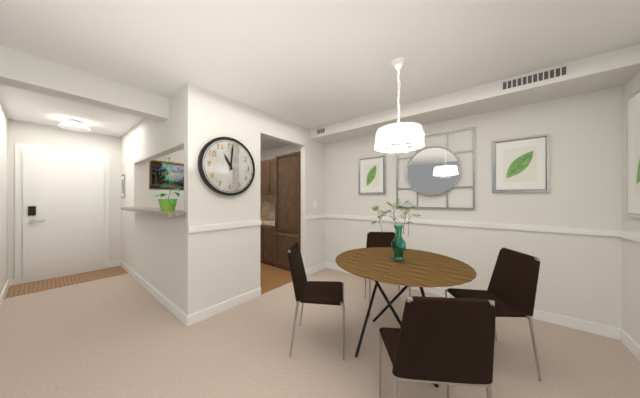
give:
11.01
